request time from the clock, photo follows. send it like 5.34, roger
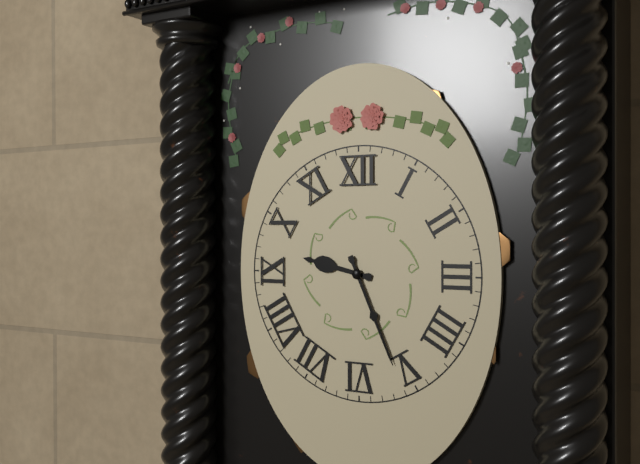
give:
9.26
